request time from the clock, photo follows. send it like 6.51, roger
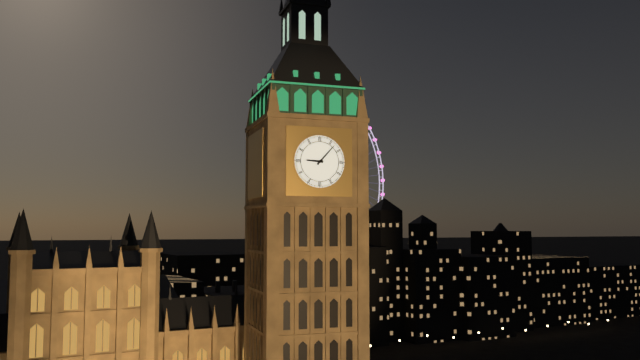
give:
9.07
